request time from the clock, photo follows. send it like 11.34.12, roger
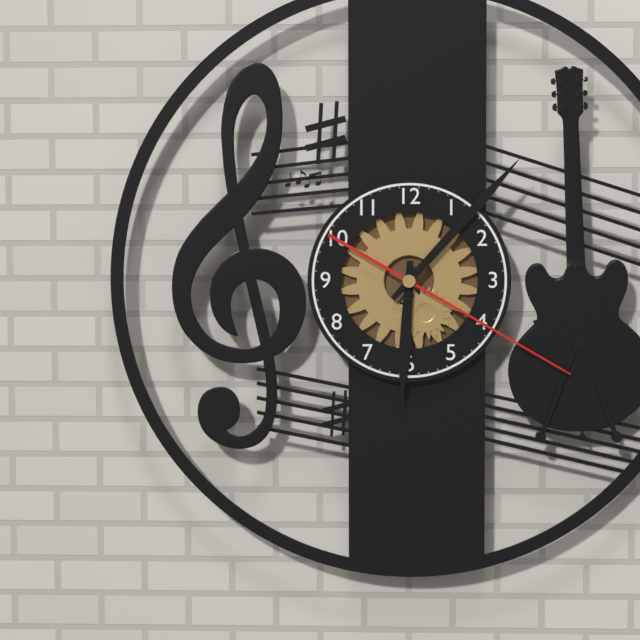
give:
6.07.20
